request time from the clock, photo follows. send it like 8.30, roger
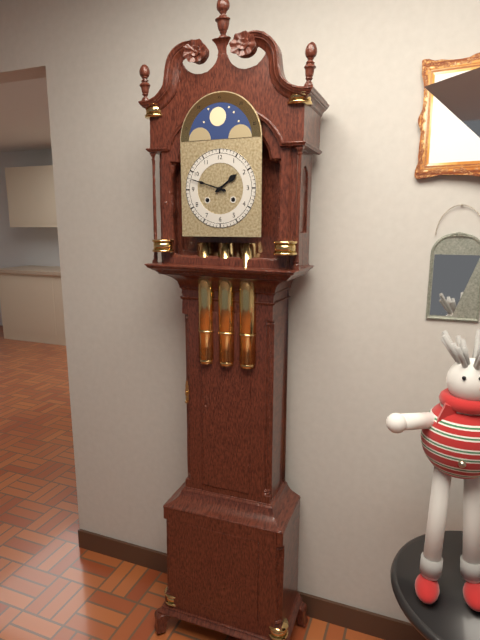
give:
1.48
